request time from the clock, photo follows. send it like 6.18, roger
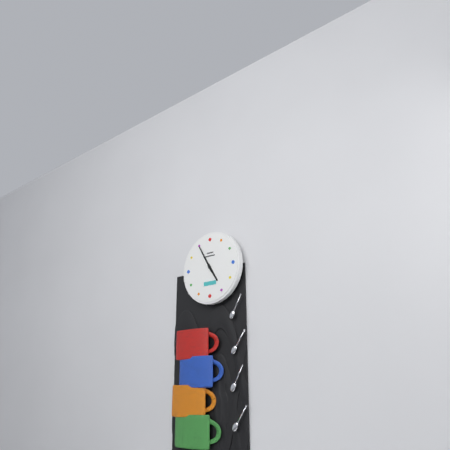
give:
4.55
